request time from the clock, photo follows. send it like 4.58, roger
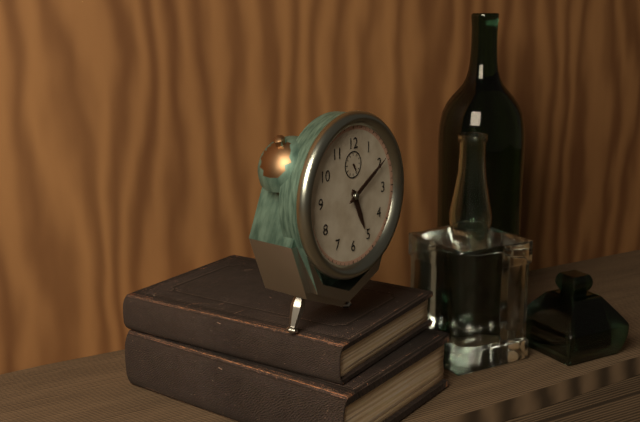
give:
5.10
